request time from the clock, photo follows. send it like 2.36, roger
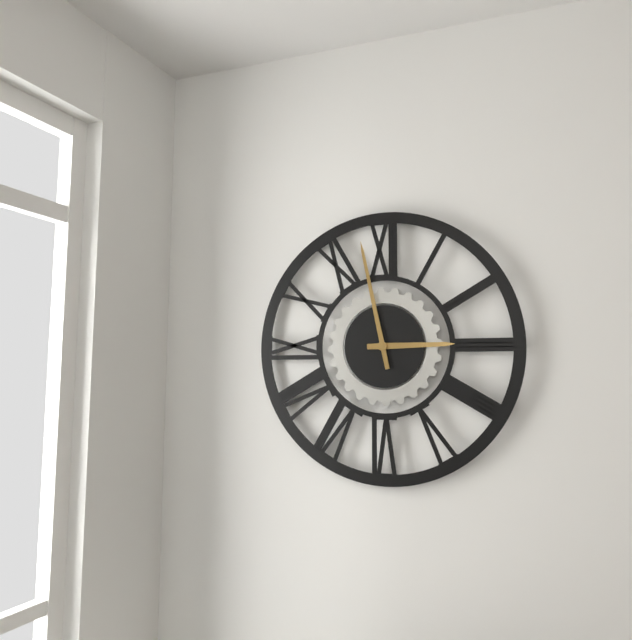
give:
2.58
